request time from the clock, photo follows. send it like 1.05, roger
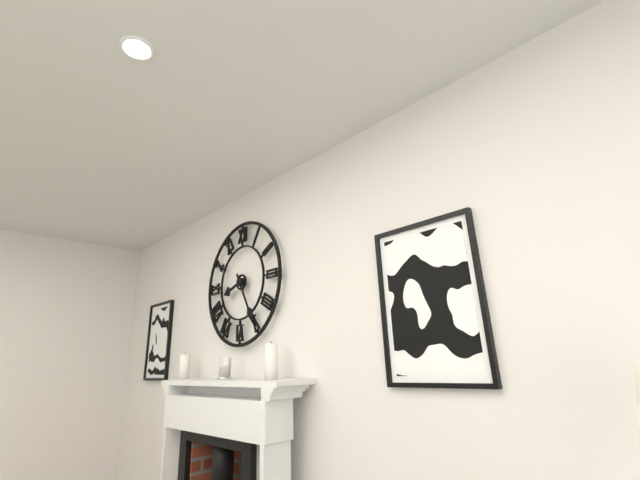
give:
8.25
